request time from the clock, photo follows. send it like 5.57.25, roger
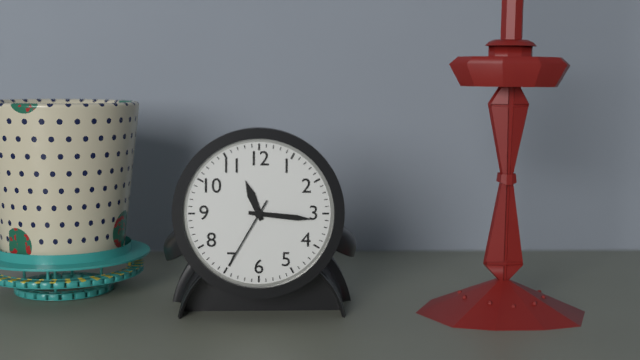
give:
11.16.35
